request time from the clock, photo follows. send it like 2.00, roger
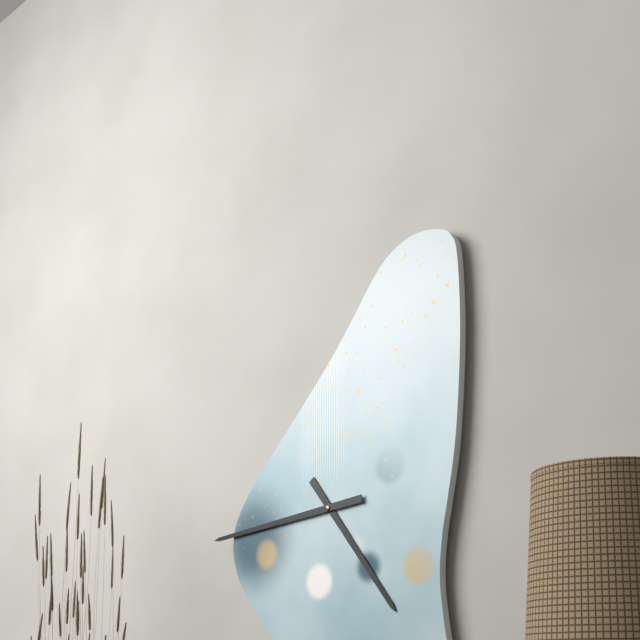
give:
4.44
